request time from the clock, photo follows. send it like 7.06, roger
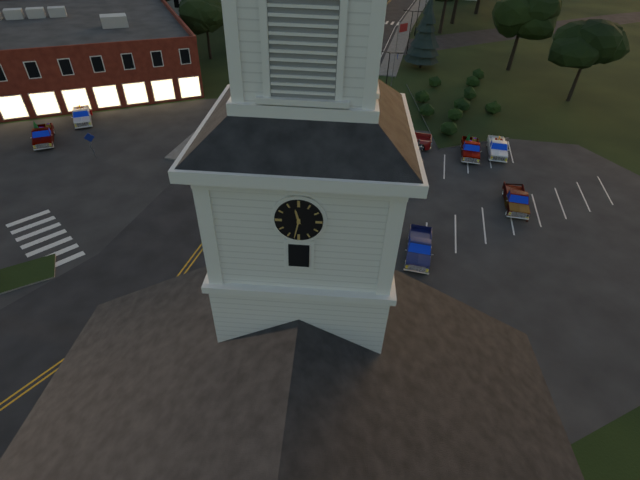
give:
11.32
